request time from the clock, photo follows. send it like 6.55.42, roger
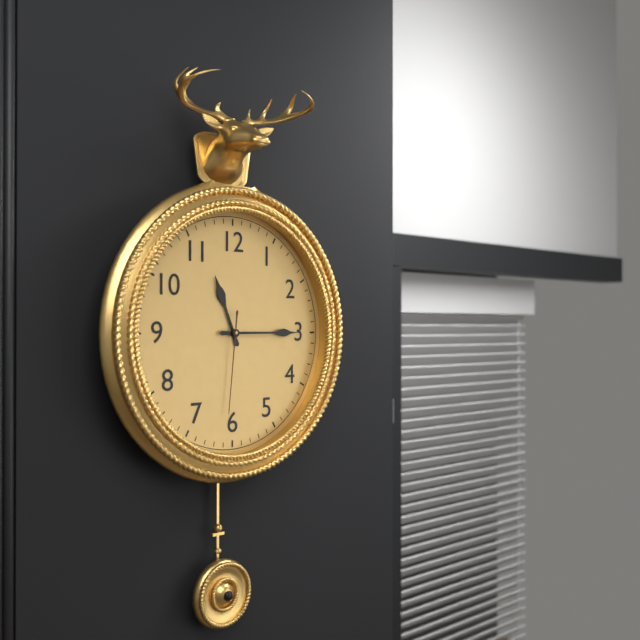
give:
11.15.31
